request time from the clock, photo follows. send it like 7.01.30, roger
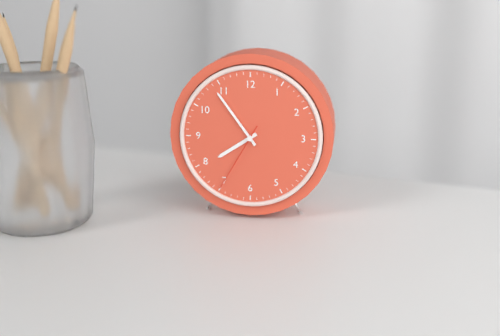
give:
7.54.35
